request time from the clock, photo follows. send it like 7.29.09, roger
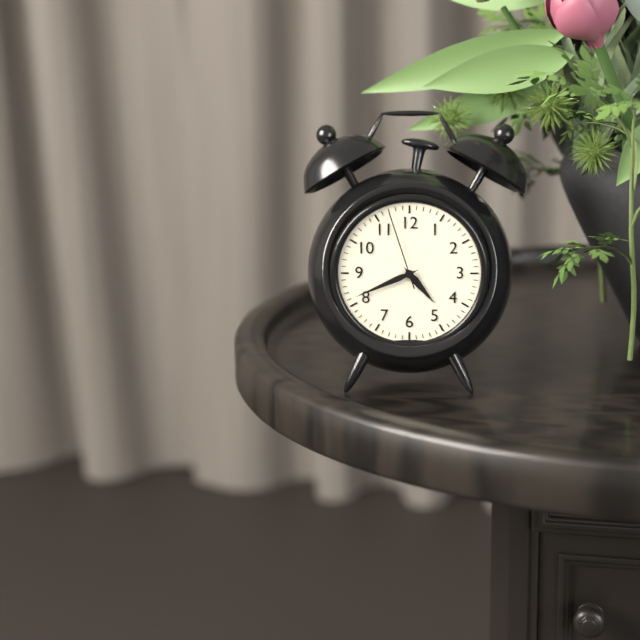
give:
4.41.57
